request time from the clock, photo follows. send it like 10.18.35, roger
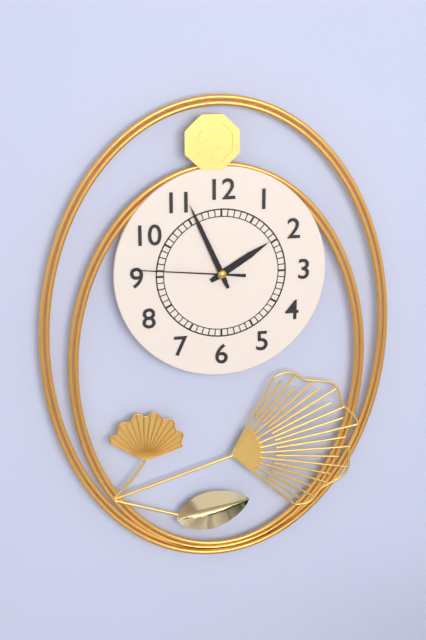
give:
1.56.46
